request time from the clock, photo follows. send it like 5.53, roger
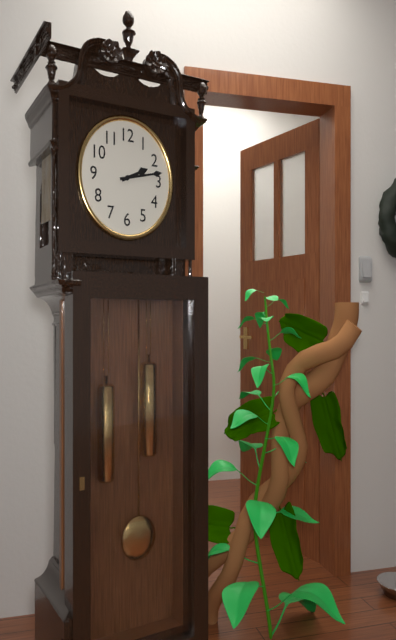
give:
2.13
